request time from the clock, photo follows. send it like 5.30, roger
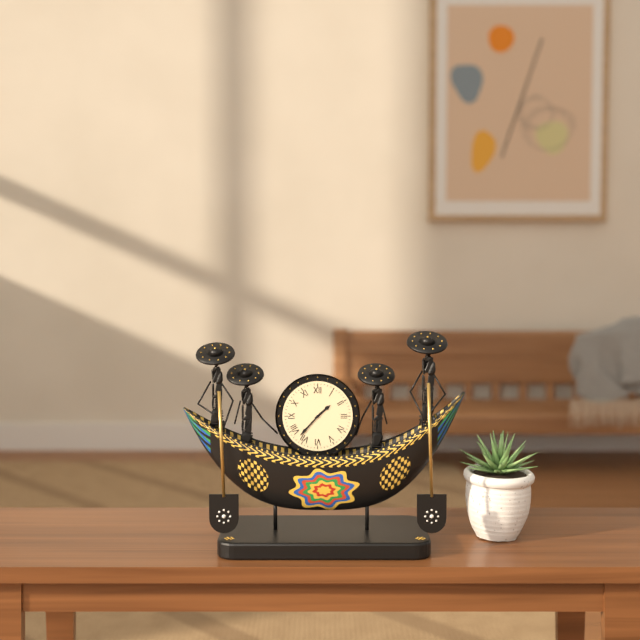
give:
1.37
